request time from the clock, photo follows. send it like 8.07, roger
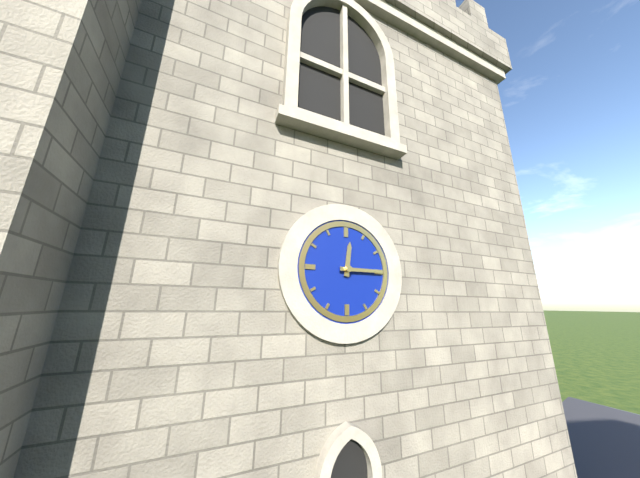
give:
12.15
